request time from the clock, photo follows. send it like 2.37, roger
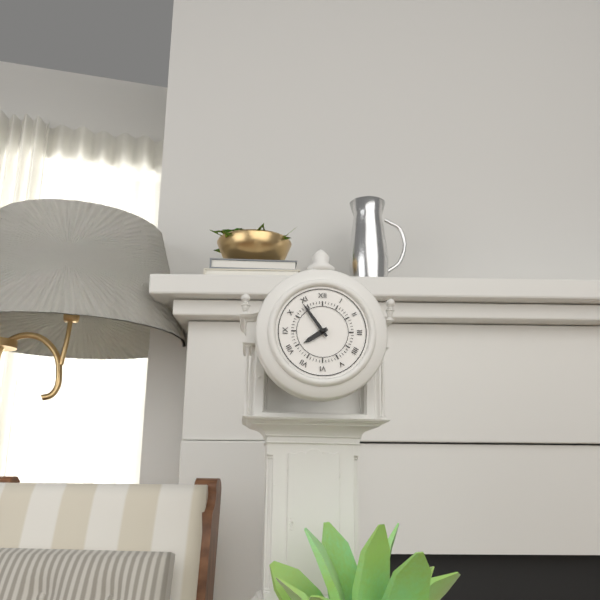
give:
7.54
